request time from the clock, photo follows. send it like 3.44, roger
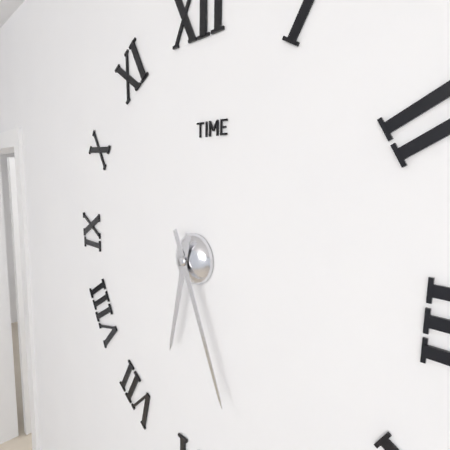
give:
6.26
